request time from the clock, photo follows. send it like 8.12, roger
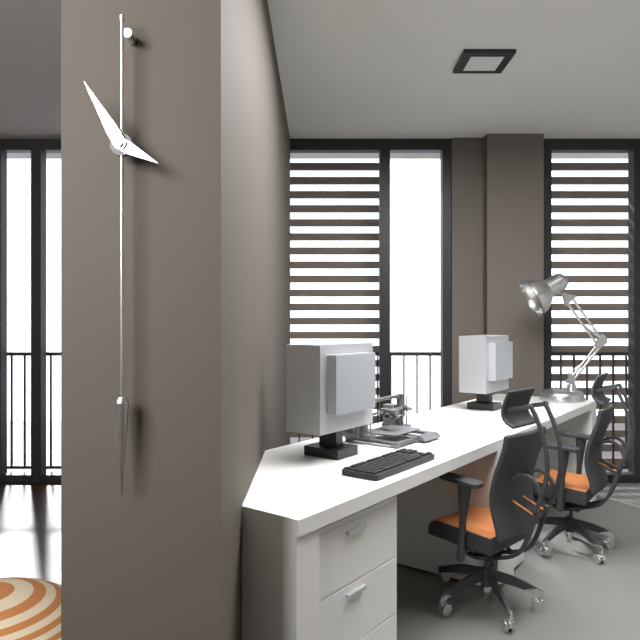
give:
3.55
